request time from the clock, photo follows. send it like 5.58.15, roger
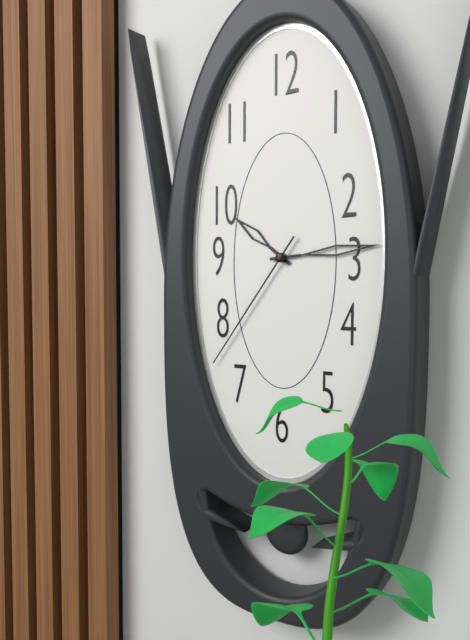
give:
10.14.36
